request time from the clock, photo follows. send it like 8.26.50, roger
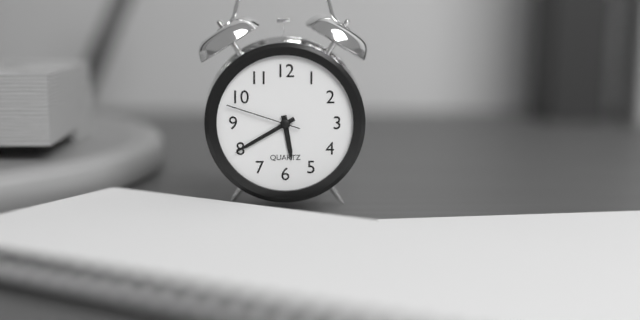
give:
5.40.48
